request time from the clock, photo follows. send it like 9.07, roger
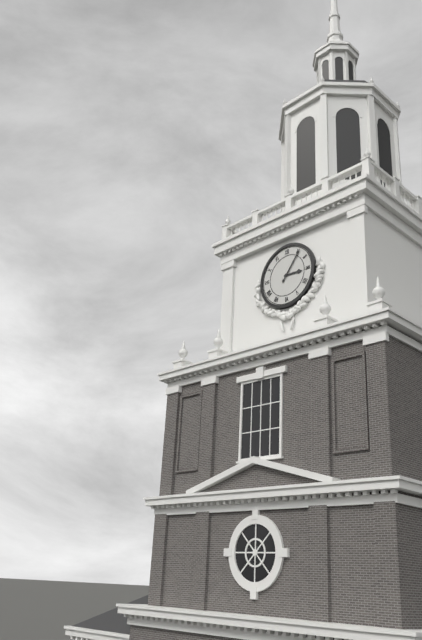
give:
3.06
